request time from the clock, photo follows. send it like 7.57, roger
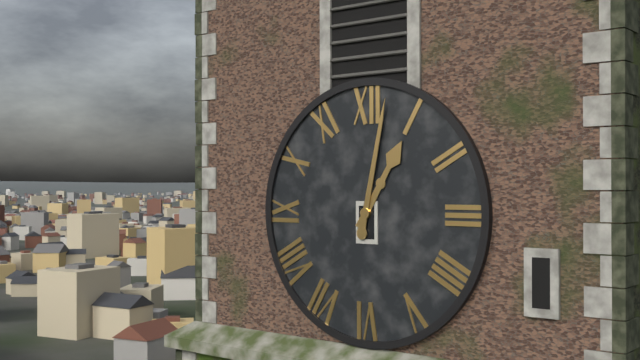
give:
1.02
